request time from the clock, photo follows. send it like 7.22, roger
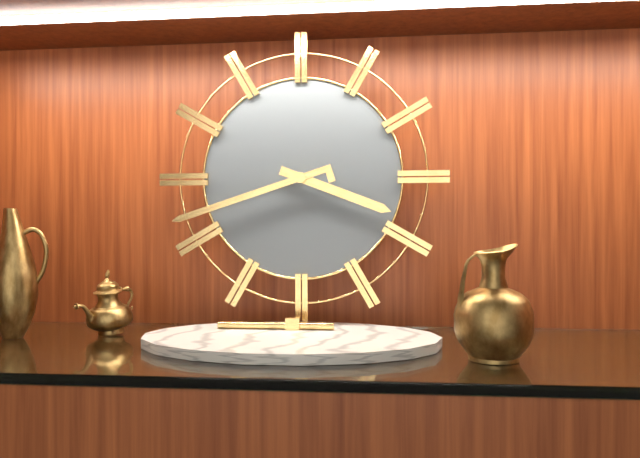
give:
3.42
